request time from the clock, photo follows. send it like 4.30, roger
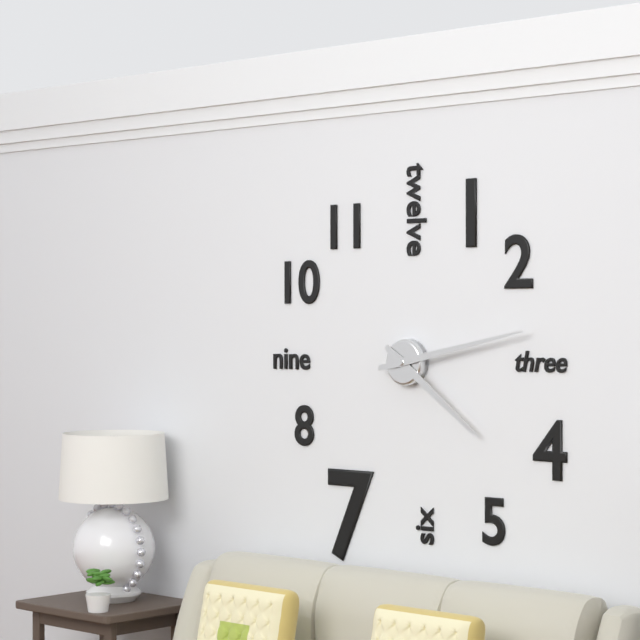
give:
4.13
